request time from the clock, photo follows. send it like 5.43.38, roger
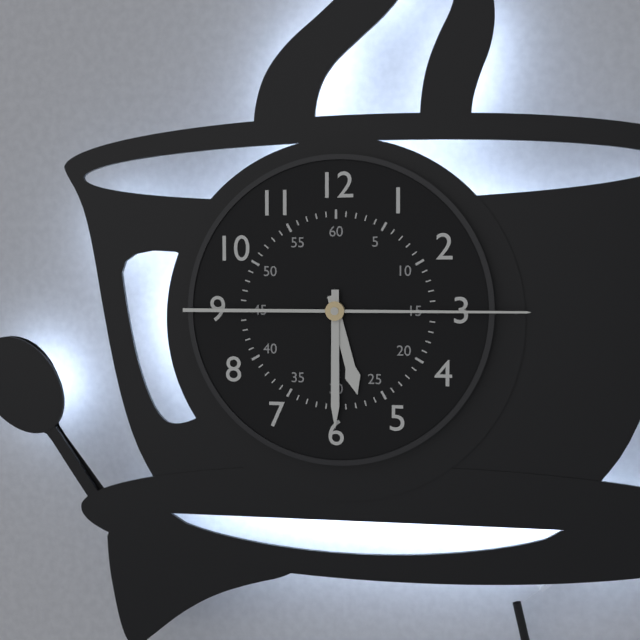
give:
5.30.15
